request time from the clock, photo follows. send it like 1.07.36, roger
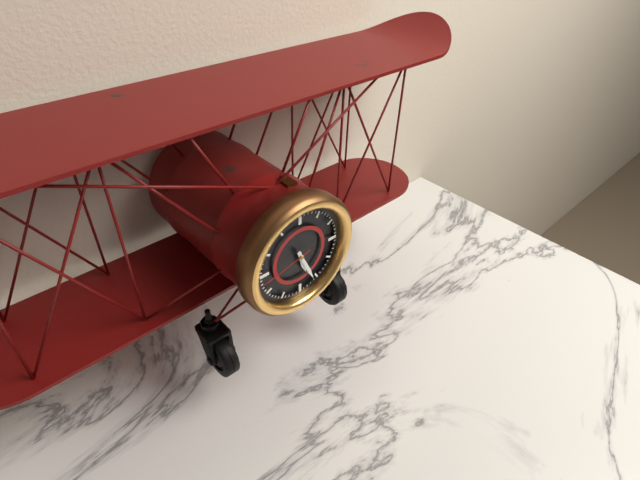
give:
5.26.43
